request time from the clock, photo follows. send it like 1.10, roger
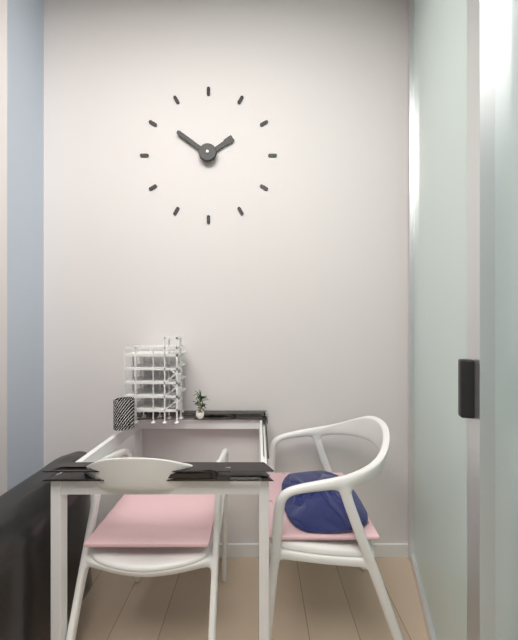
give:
1.51
